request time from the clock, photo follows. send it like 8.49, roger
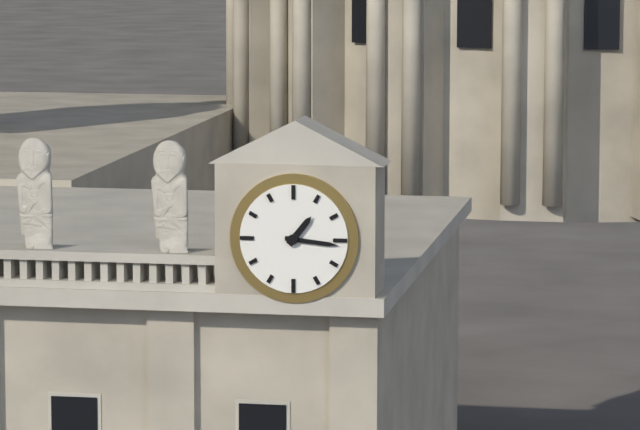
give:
1.16
